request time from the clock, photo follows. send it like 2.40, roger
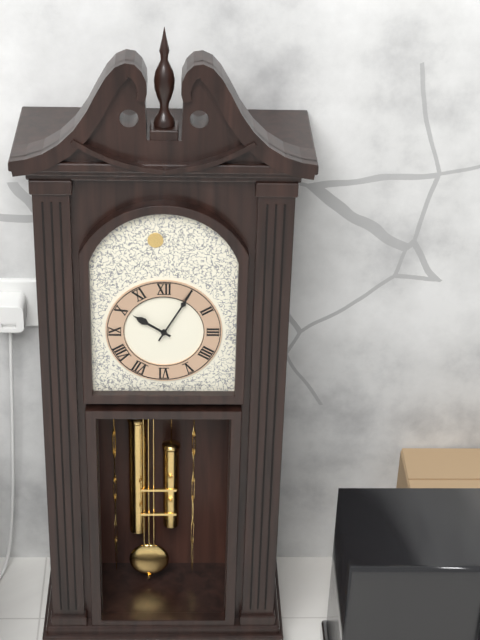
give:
10.05
